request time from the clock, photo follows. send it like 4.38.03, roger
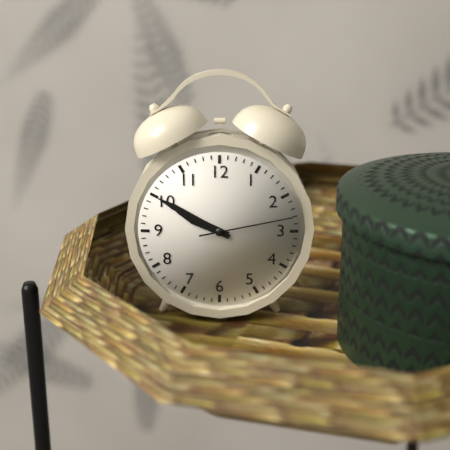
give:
9.50.13
